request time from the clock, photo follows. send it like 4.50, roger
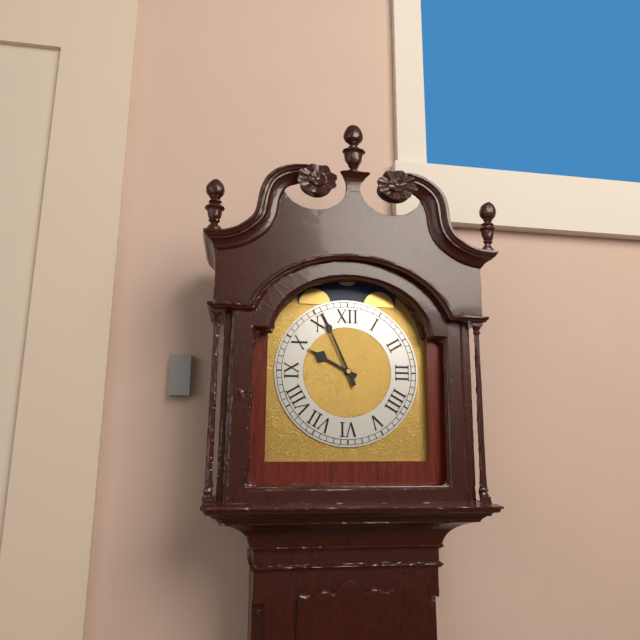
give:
9.56
